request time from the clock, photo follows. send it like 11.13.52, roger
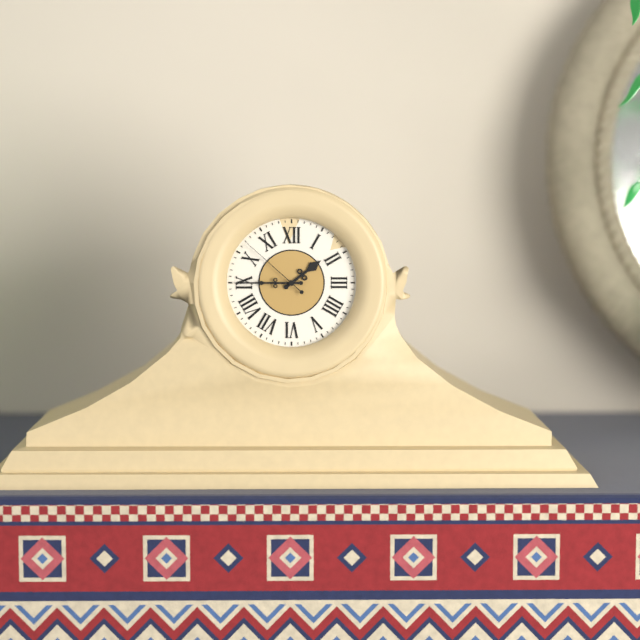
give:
1.45.52
